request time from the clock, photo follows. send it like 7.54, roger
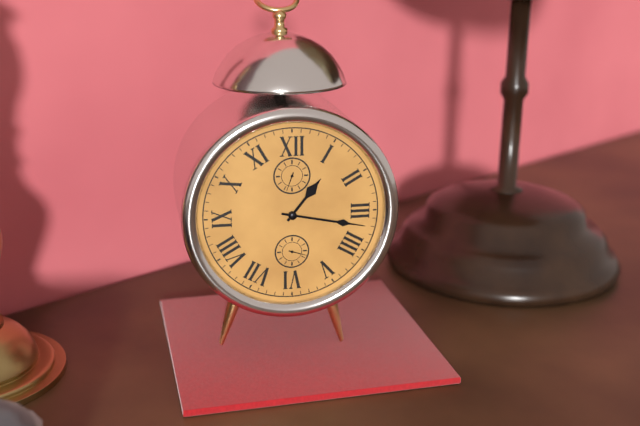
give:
1.17
